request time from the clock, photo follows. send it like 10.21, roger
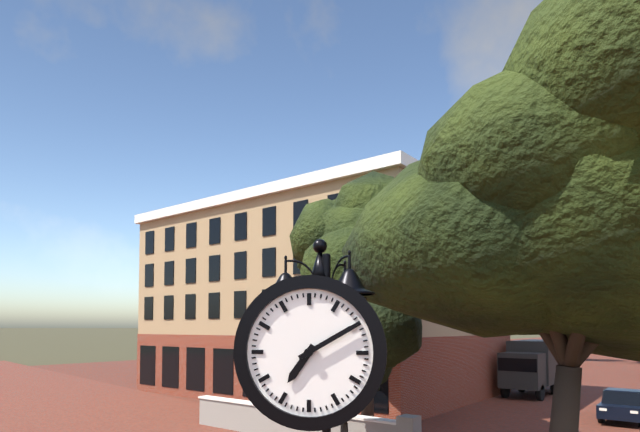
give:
7.10
